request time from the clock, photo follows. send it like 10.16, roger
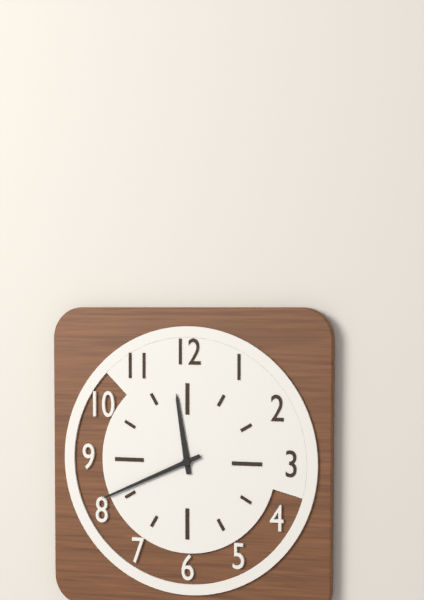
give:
11.41
